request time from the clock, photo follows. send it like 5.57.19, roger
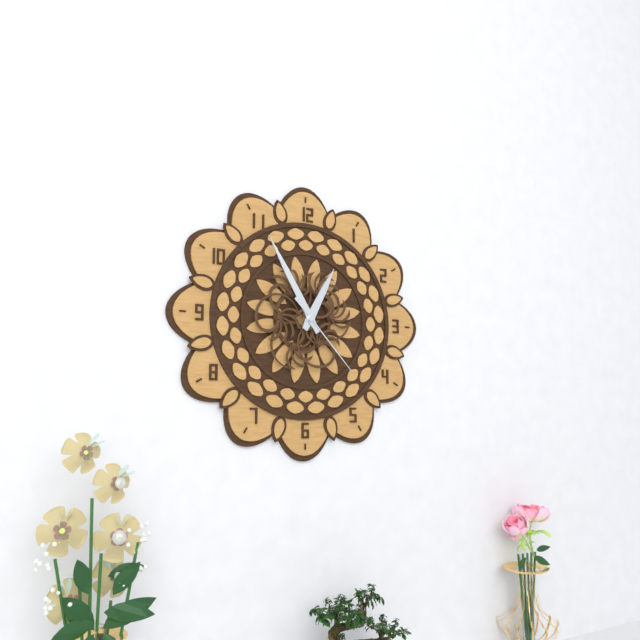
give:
12.55.23
